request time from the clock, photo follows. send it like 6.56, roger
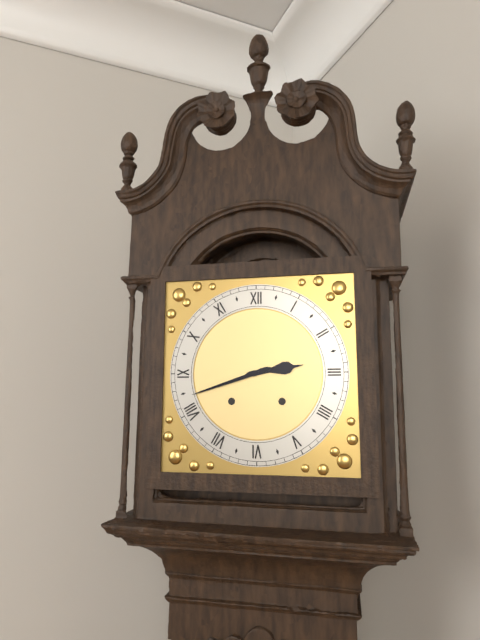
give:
2.42
